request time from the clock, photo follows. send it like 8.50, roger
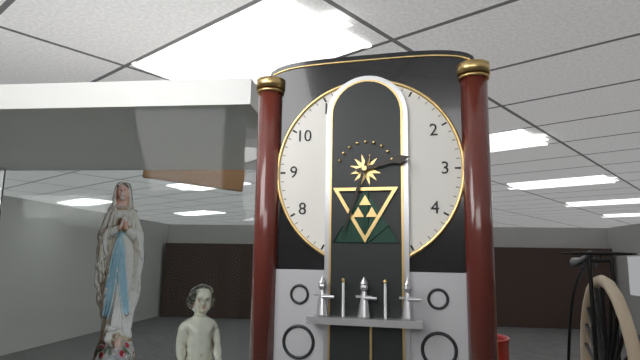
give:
2.33
